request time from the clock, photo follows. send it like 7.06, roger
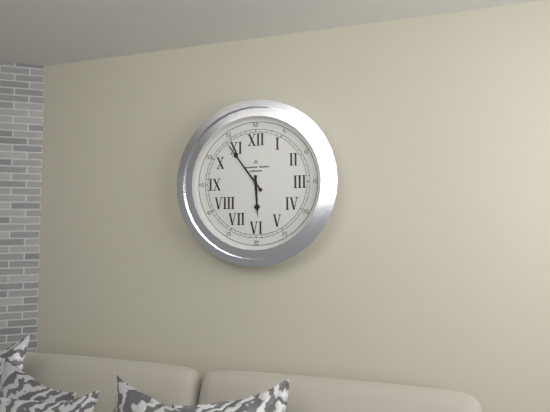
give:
5.54
